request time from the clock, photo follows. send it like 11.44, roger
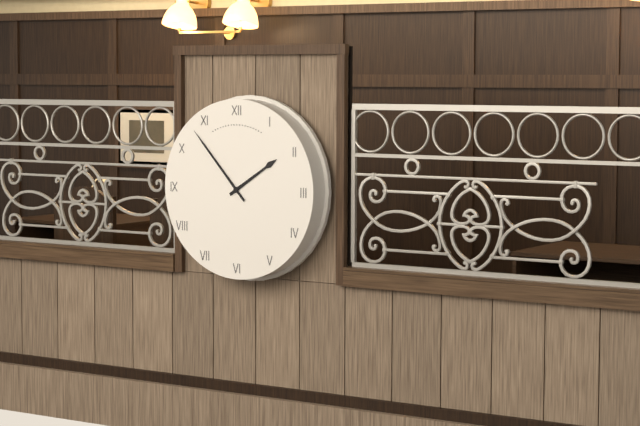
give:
1.53
